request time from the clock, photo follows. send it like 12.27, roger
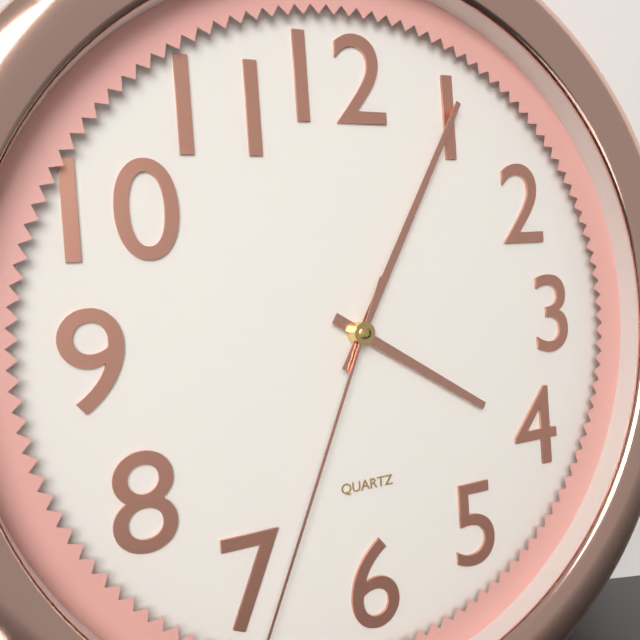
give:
4.05
